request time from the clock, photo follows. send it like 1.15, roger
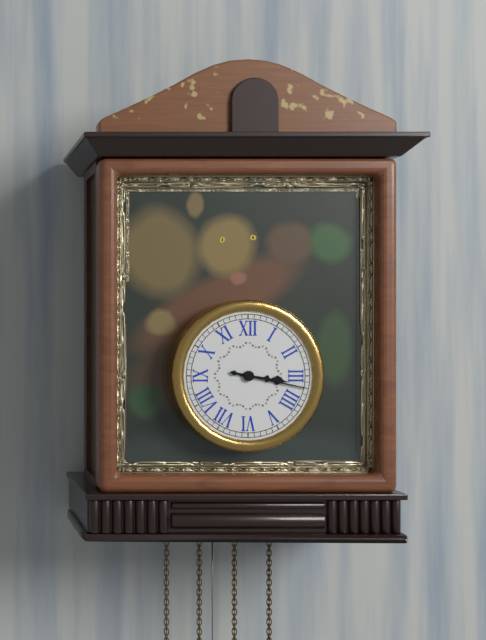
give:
3.17
